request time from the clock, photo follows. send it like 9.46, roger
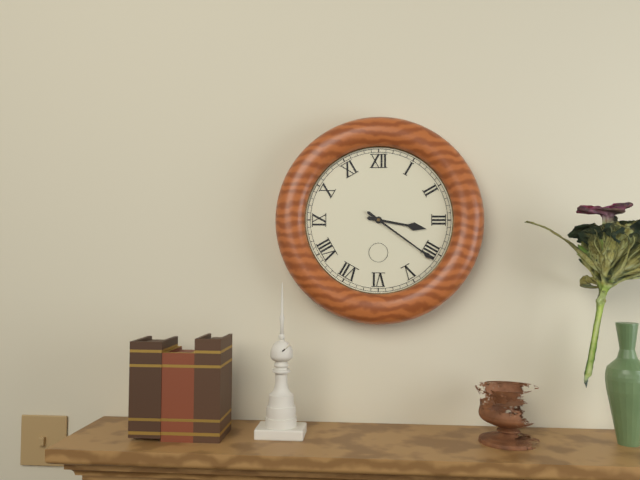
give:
3.21
